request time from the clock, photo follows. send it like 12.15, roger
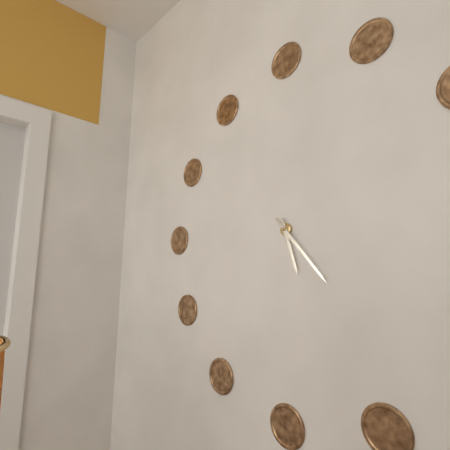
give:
5.23
